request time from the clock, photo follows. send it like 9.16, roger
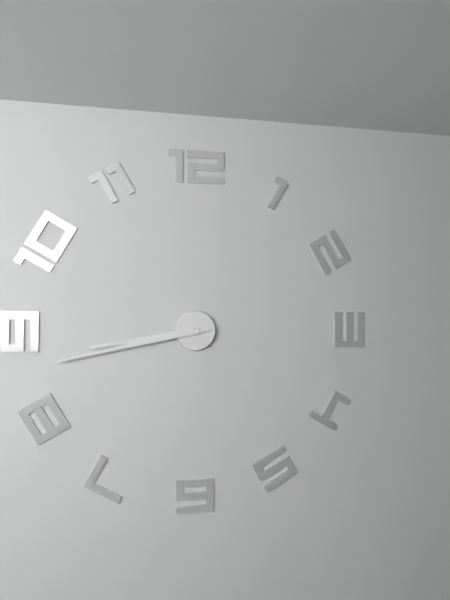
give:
8.43
